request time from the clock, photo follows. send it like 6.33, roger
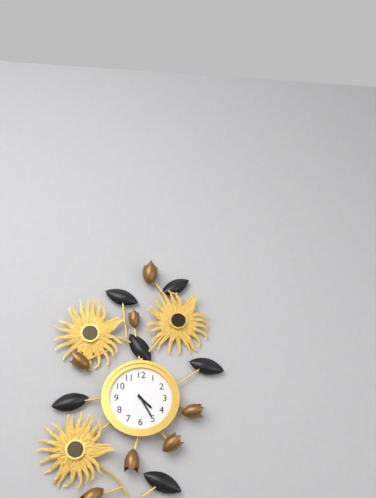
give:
4.25
